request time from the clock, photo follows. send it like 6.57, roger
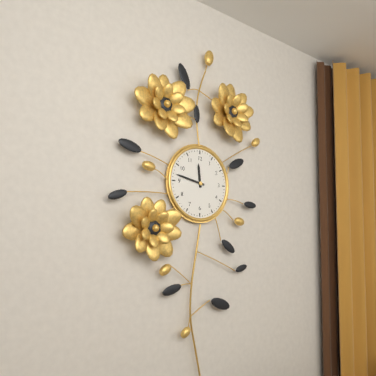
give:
11.47
